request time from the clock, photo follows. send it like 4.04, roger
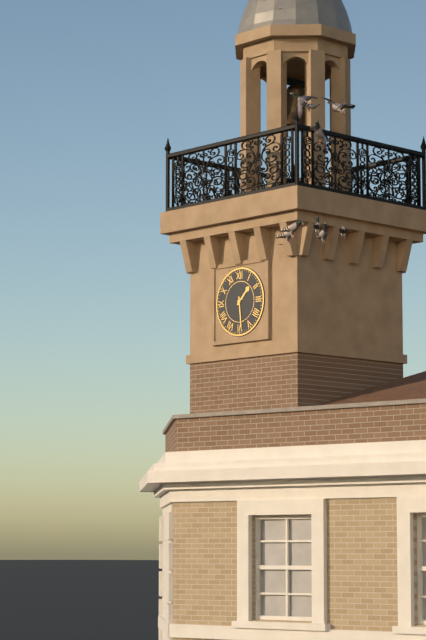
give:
1.29
